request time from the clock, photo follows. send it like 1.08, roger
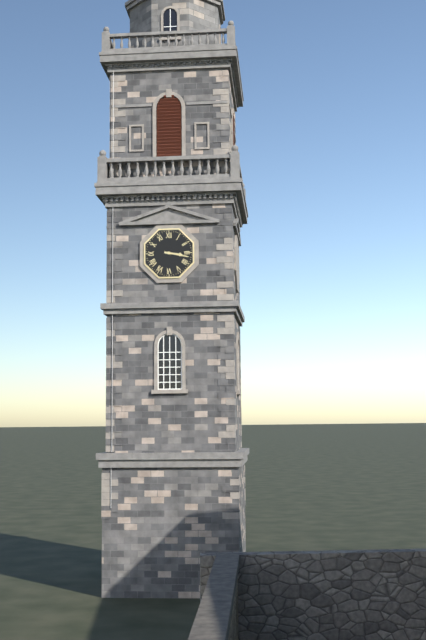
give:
3.17
